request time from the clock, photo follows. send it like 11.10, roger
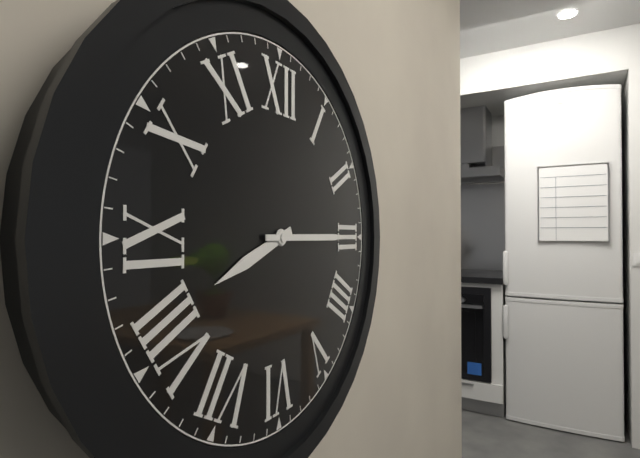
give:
8.15
